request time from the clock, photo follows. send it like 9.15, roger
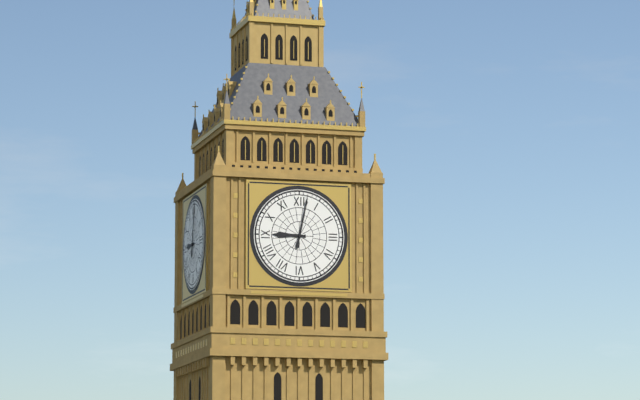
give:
9.02
